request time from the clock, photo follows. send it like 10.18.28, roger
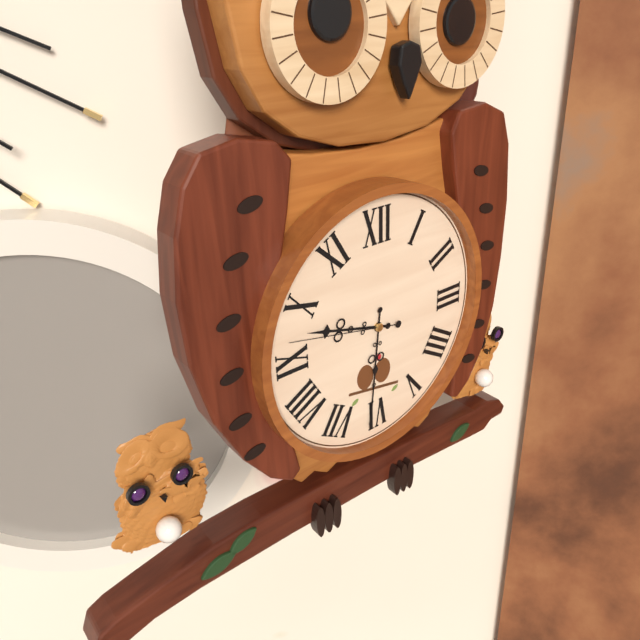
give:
9.31.47
